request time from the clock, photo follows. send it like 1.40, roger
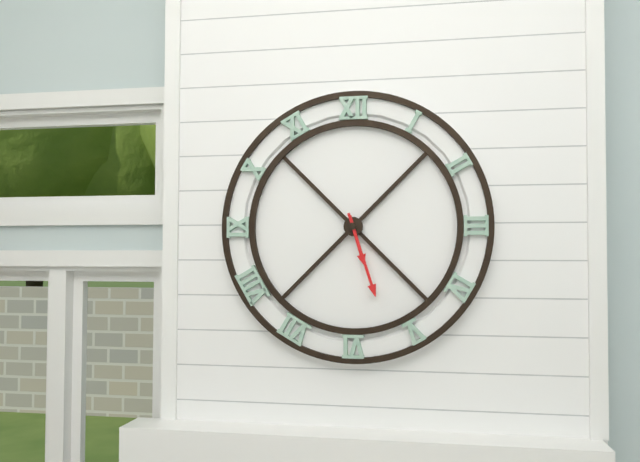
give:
5.27
